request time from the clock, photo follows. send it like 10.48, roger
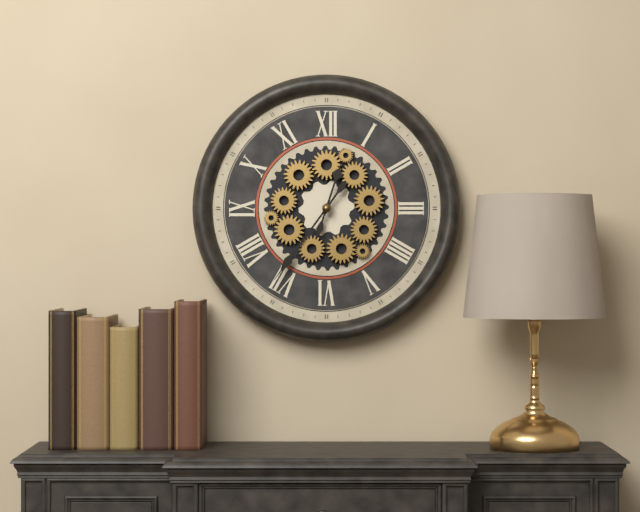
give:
12.36
